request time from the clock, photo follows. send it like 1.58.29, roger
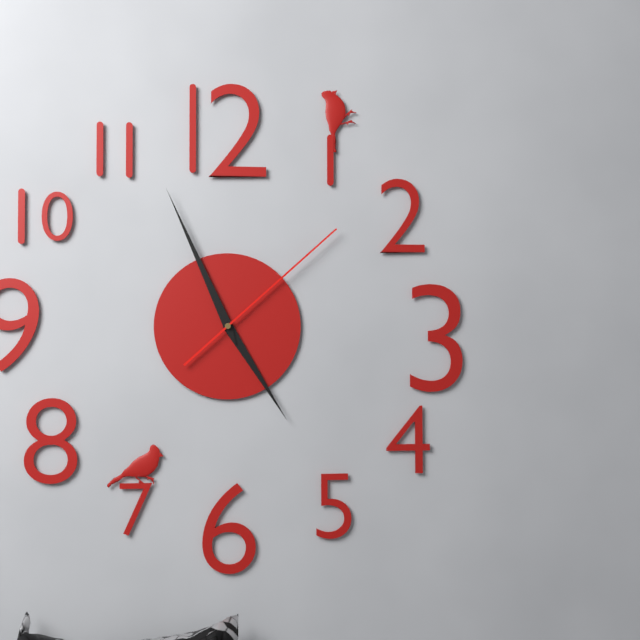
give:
4.56.08
